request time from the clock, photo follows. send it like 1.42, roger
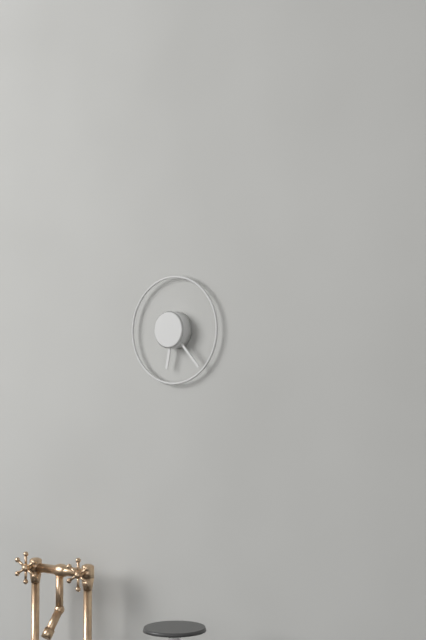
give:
6.23
